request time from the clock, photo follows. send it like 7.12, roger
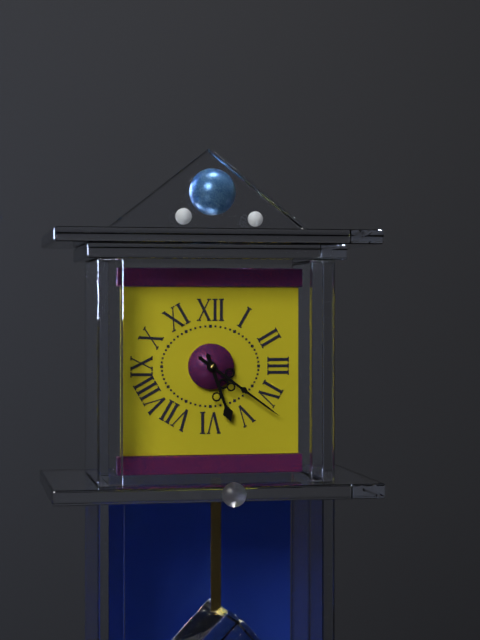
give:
5.21
